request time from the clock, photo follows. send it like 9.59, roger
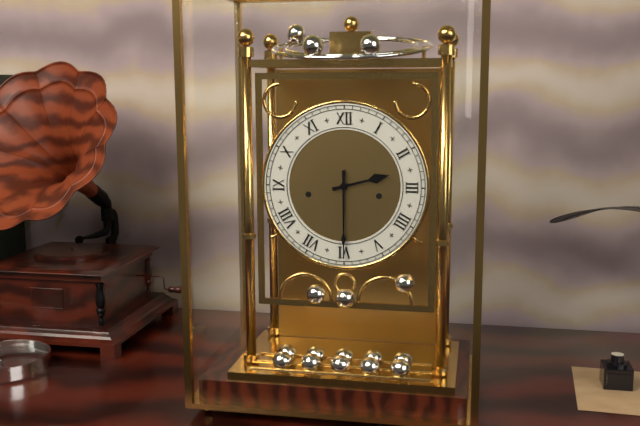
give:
2.30
